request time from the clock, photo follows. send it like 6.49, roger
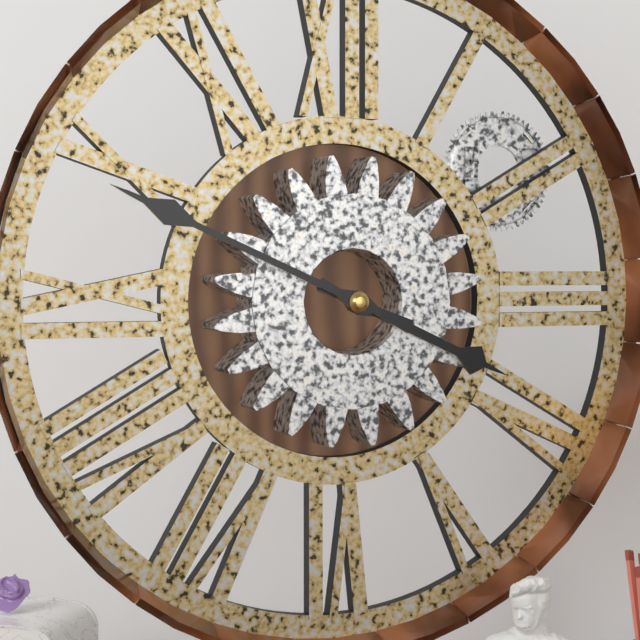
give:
3.49
